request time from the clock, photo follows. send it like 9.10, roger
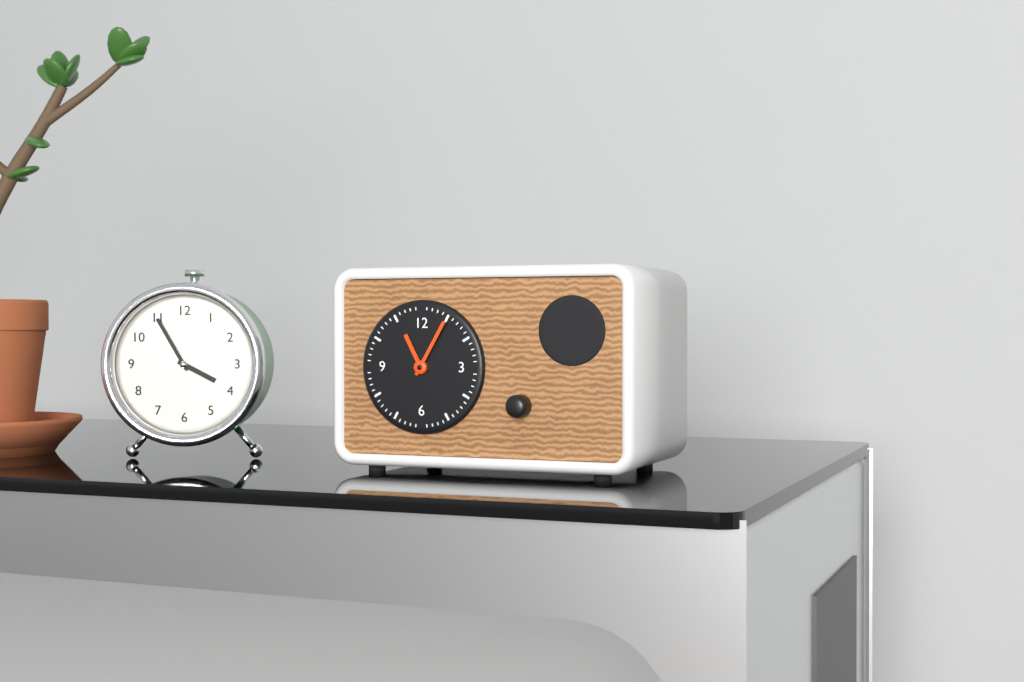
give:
11.05
